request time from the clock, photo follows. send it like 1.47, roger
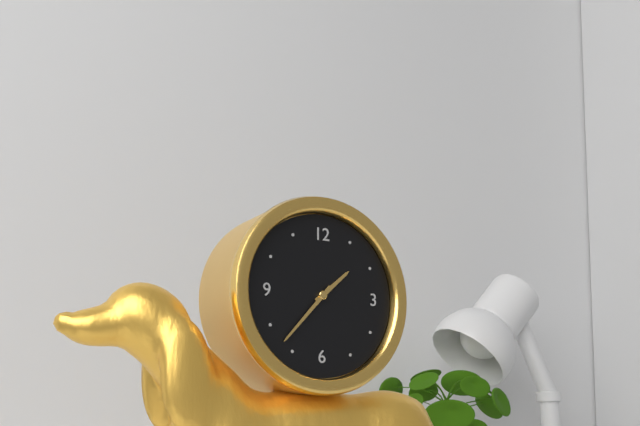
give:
1.37
